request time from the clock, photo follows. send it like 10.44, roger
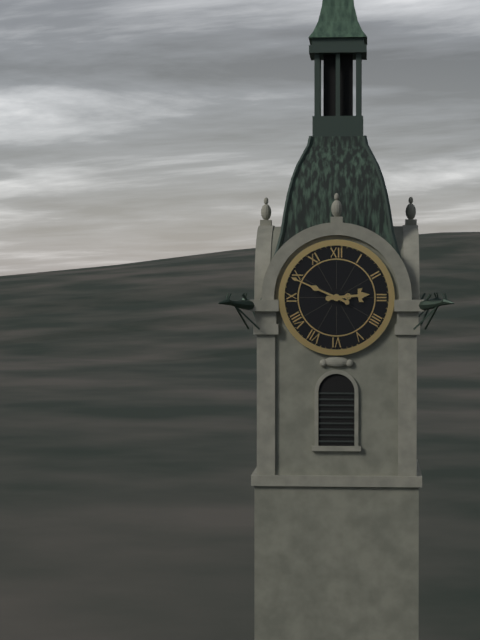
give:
2.49
